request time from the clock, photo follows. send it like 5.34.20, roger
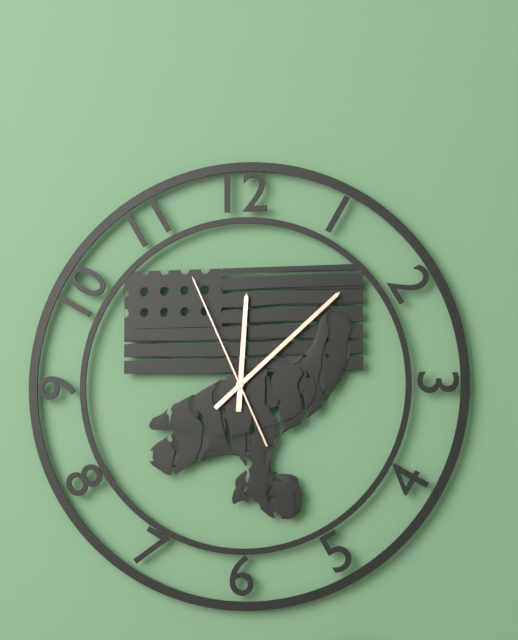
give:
12.08.56
